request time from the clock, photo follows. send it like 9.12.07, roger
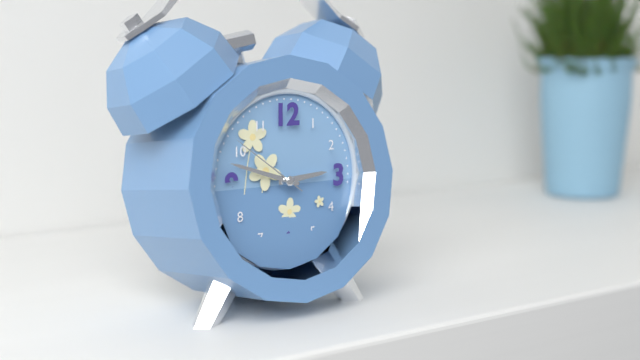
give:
2.48.51
